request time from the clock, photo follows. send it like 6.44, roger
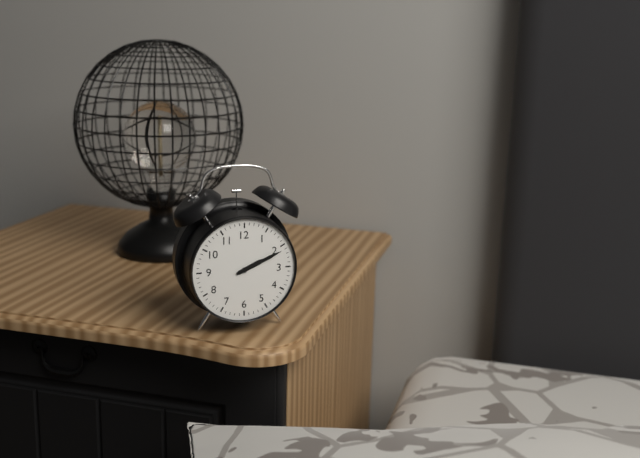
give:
2.11
